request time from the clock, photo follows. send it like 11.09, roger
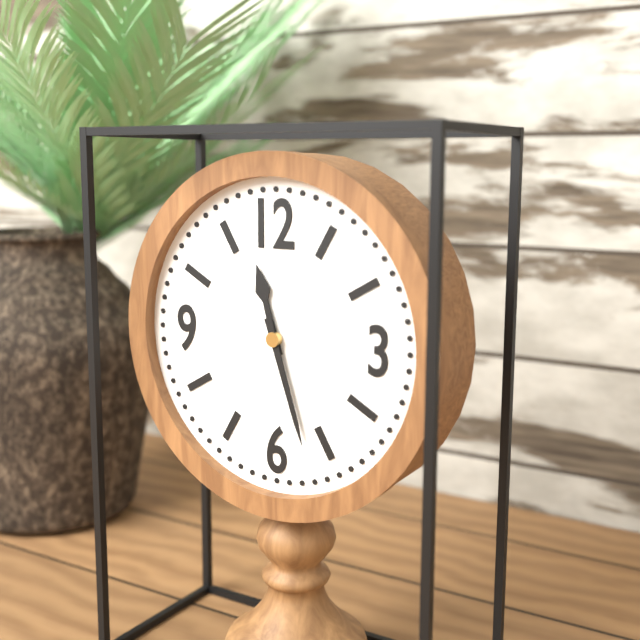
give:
11.27
